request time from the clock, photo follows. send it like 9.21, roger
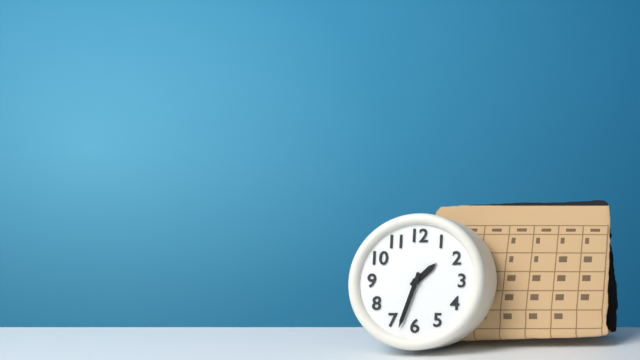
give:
1.33
